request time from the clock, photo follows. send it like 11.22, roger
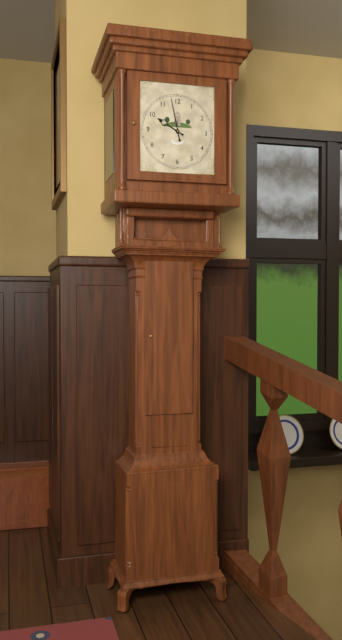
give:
9.58
